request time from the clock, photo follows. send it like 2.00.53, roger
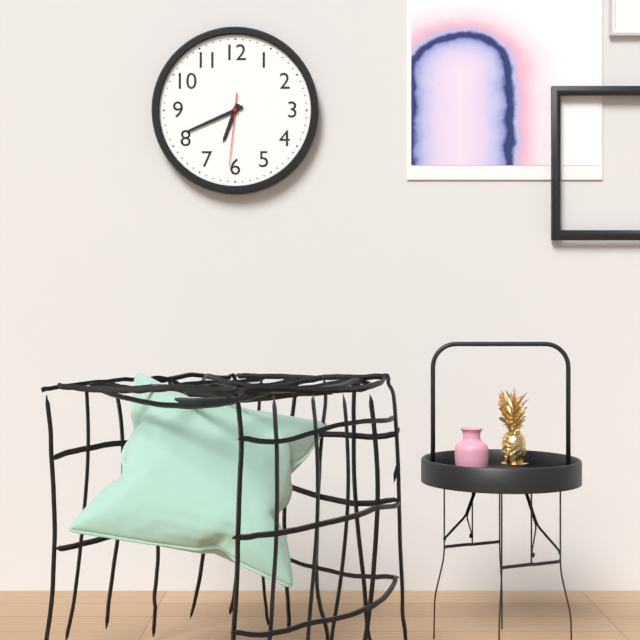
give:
6.41.31
